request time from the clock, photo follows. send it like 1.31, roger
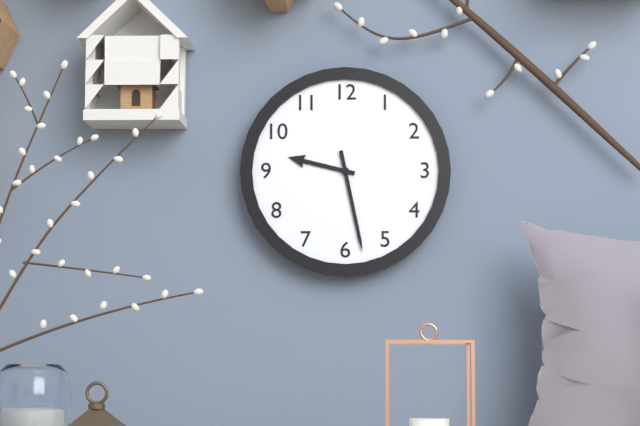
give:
9.28
